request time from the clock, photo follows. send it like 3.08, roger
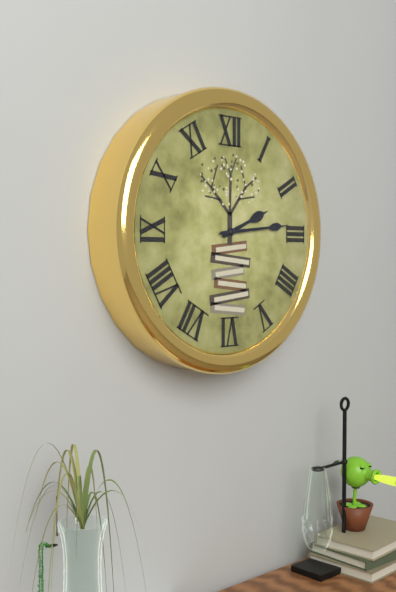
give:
2.14
